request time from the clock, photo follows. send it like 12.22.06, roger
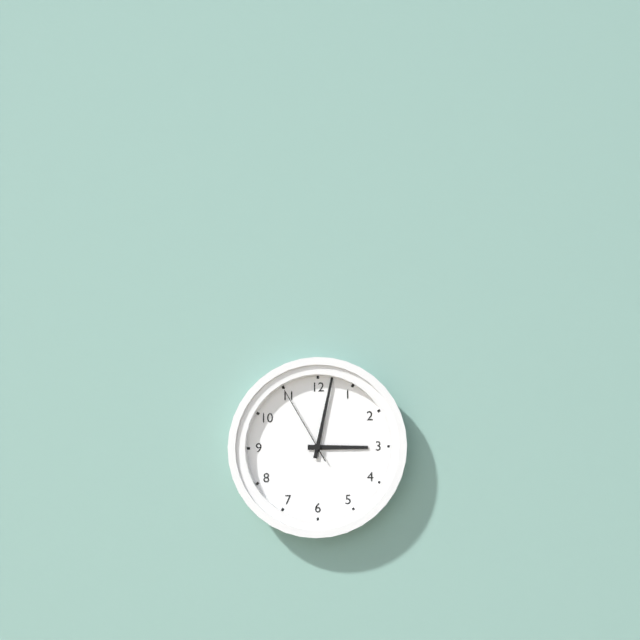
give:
3.02.55
